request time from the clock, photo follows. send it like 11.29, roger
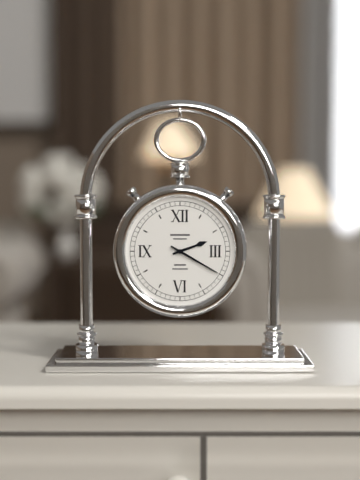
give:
2.20
